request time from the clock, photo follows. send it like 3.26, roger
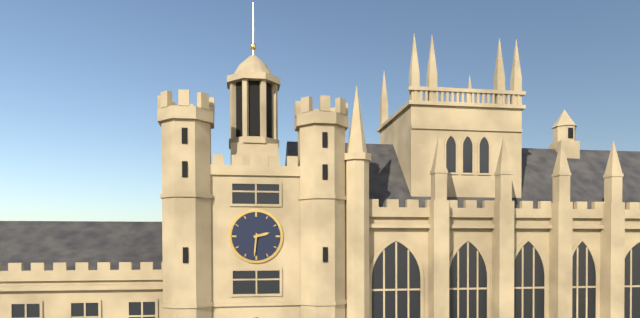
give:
2.31
